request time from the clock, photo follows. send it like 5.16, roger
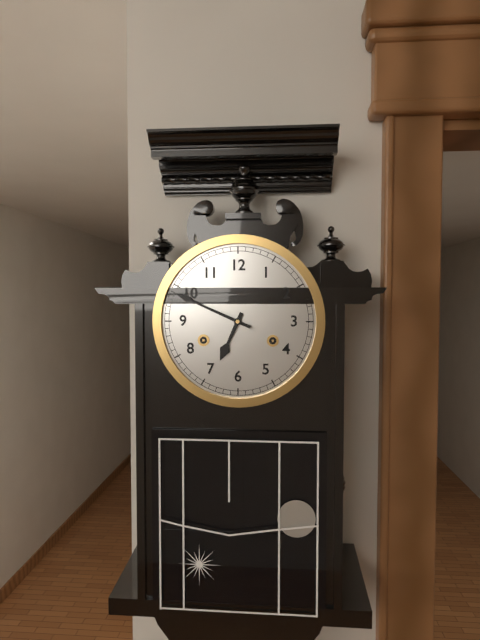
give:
6.49
